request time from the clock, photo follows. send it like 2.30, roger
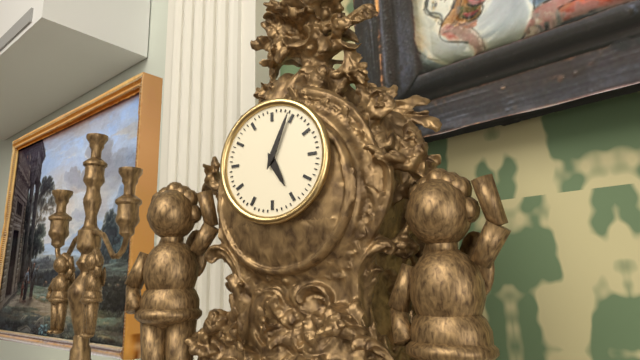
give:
5.04
